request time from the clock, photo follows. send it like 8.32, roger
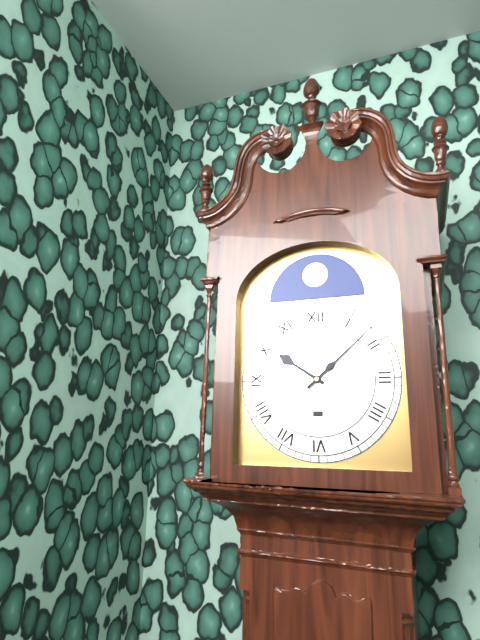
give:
10.08
